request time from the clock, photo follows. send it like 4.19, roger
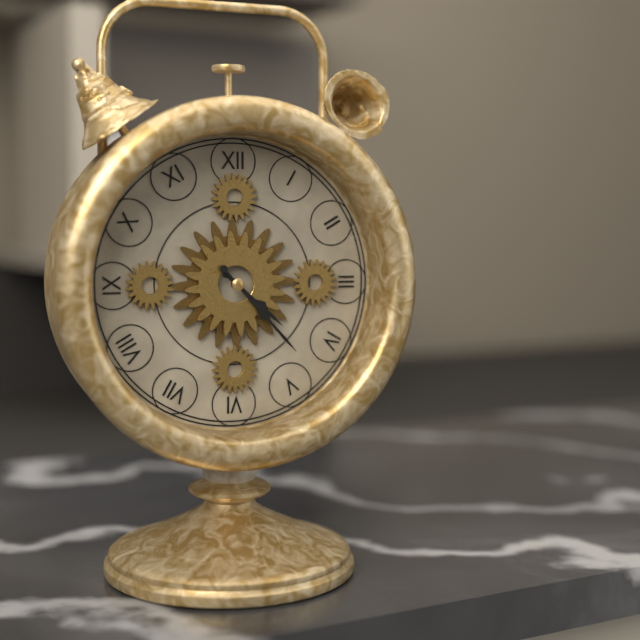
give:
4.23
